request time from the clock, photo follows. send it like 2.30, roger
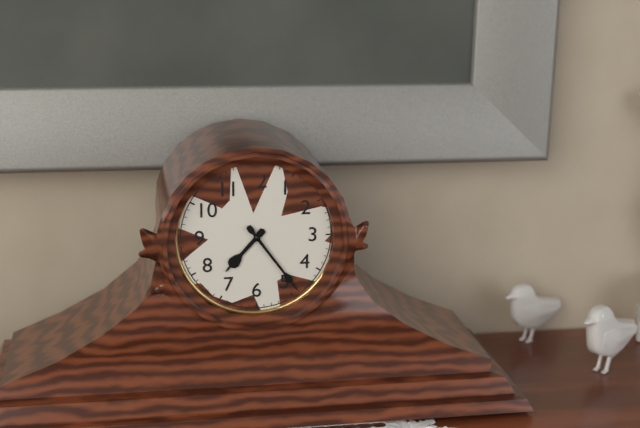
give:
7.24
